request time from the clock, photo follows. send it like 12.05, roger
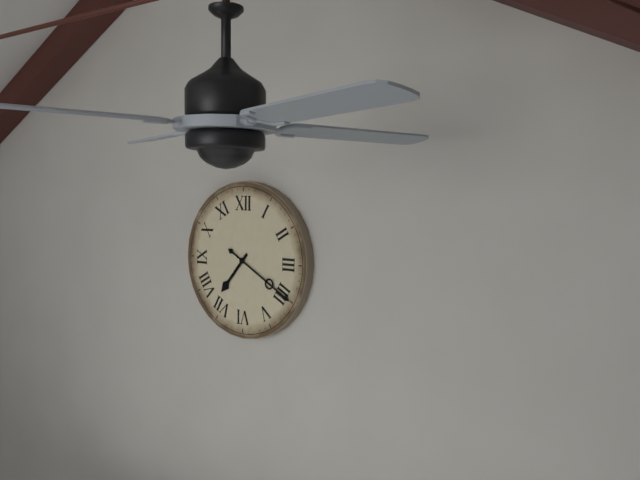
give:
7.20
